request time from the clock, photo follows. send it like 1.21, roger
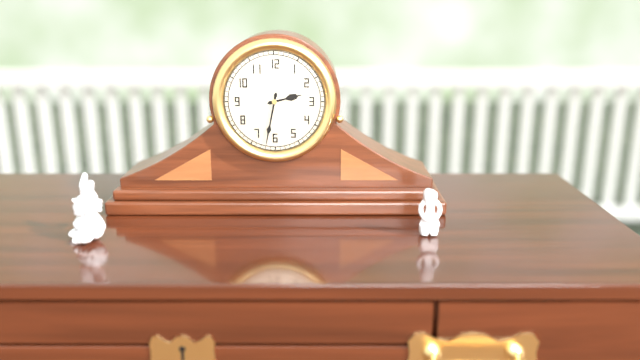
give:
2.32
